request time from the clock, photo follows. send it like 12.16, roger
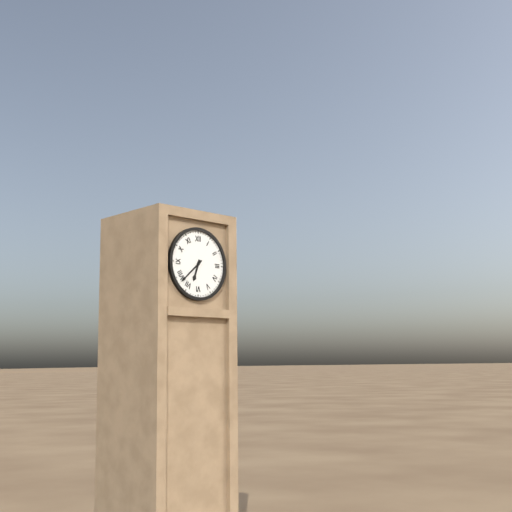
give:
6.38
